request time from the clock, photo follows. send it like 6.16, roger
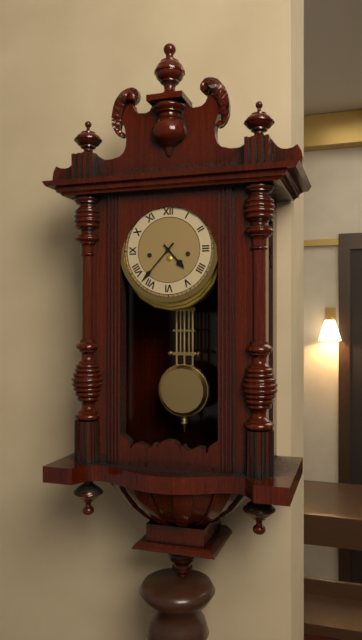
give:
4.37
